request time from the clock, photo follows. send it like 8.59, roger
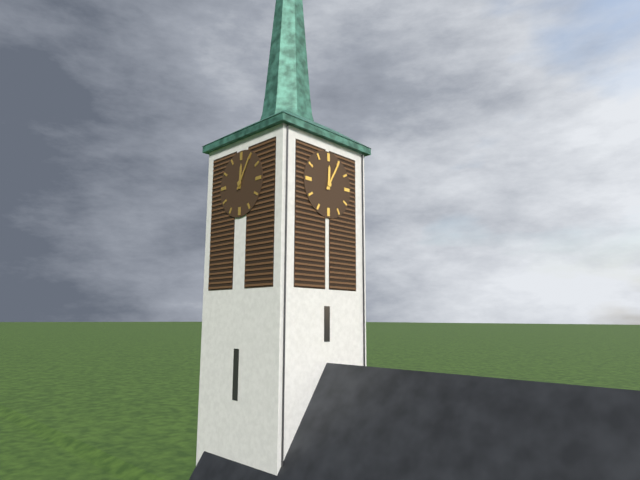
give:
12.05
